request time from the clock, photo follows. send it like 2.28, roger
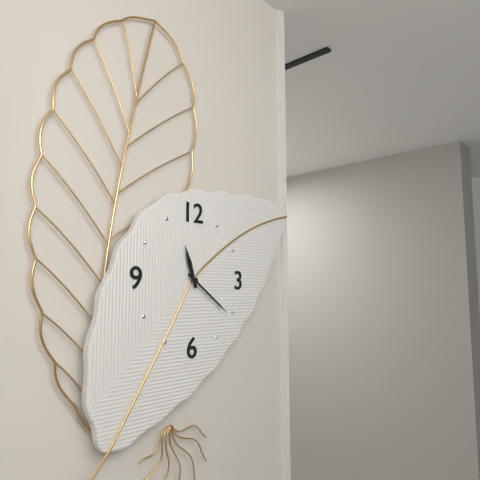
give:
11.21
